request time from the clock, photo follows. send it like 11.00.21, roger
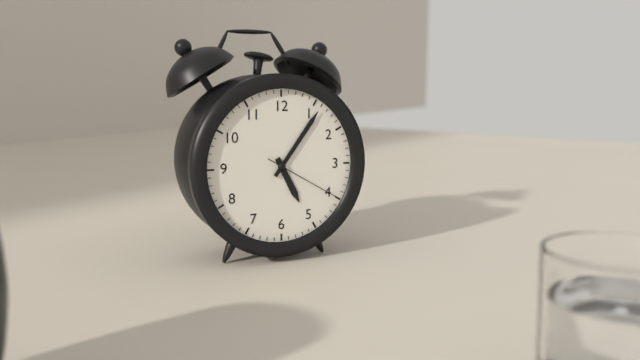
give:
5.06.20
